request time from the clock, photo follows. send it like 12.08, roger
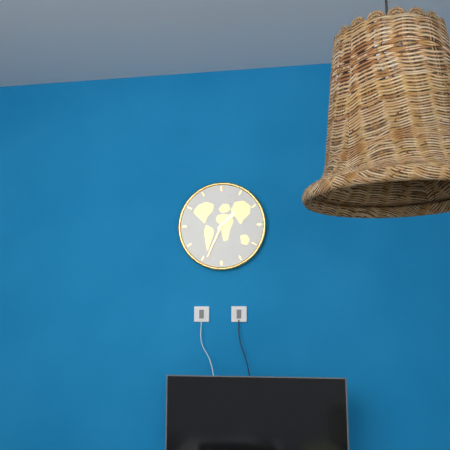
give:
1.34
